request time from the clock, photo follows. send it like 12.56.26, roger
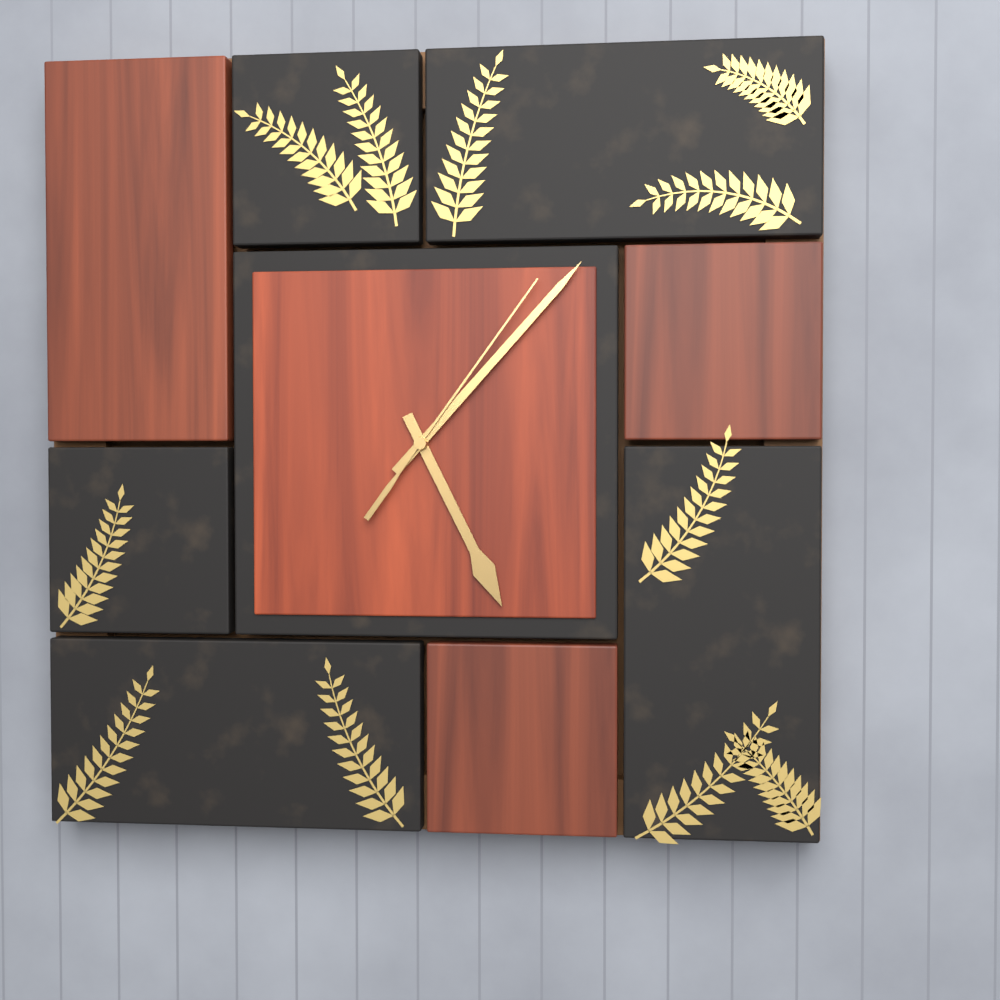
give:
5.07.06
